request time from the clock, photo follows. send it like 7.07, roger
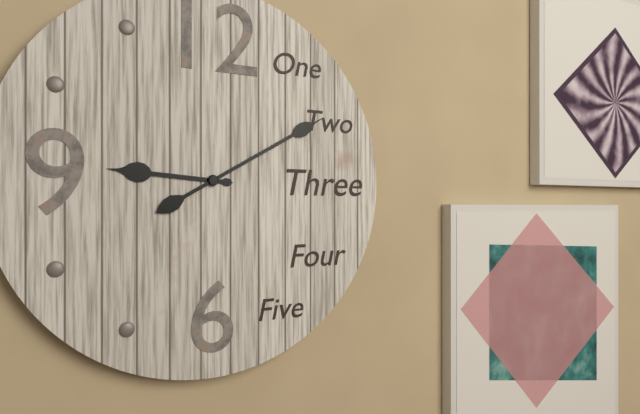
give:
9.10
